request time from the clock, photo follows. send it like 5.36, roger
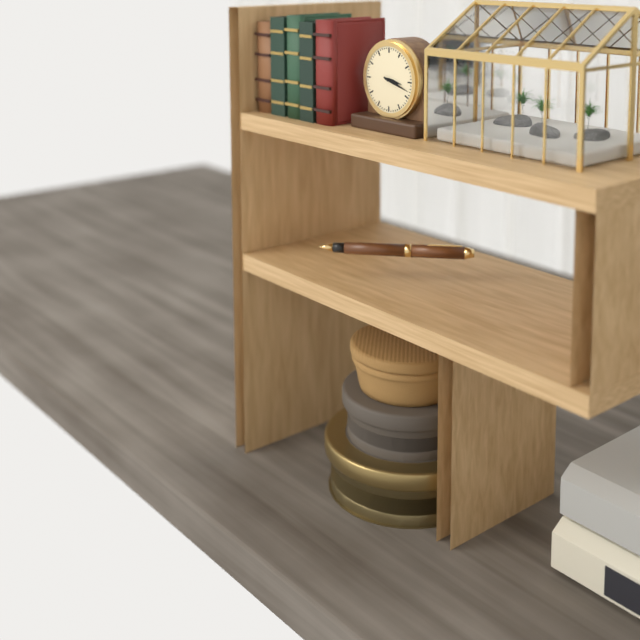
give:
3.18
